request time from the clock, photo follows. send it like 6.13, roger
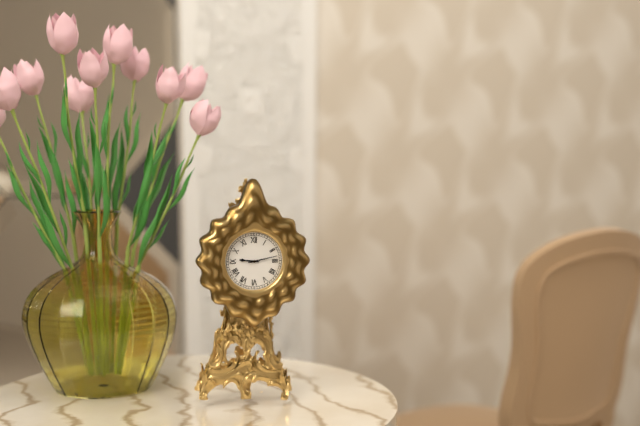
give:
9.13
